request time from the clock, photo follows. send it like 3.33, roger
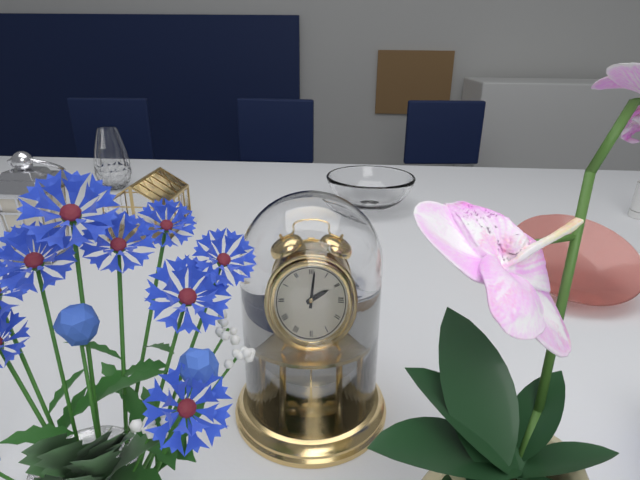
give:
2.01
